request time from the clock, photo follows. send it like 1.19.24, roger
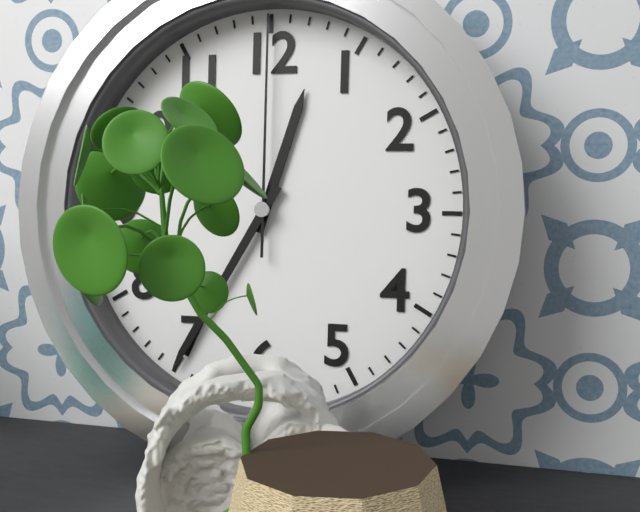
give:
12.35.00
